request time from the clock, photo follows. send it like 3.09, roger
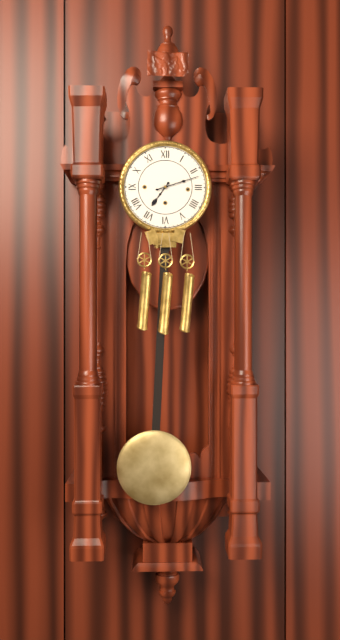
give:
7.12
